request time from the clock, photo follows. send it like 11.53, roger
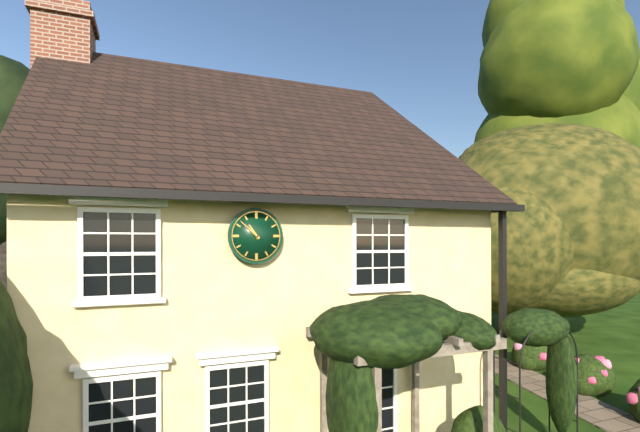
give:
10.52
